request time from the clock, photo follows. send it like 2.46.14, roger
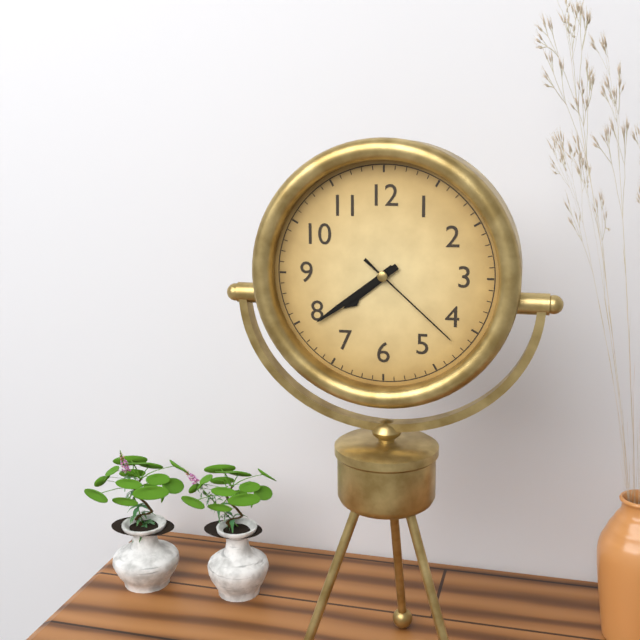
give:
7.39.22
